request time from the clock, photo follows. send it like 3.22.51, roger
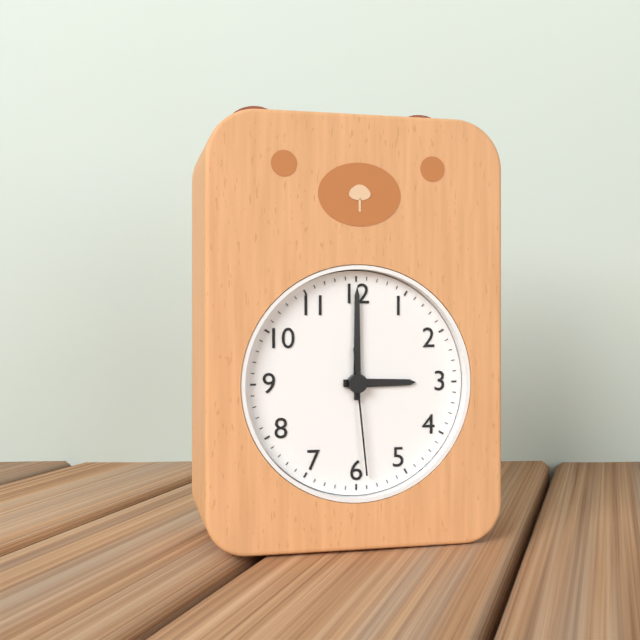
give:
3.00.29
